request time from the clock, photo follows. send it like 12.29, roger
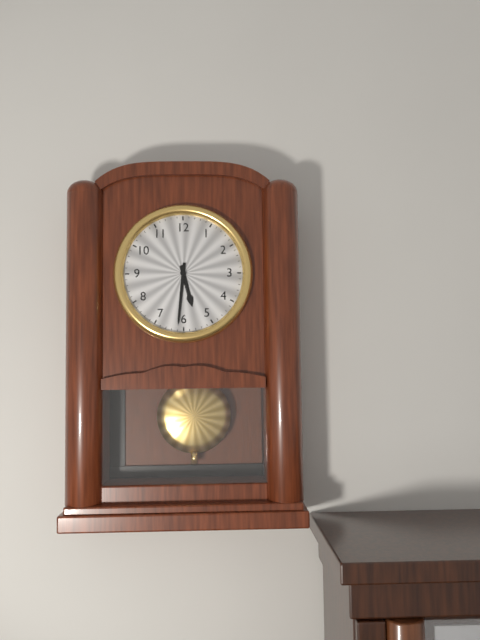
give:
5.31
